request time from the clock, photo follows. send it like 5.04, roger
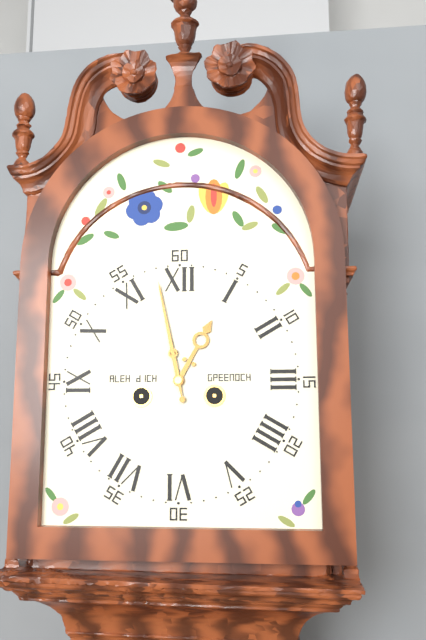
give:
12.58
